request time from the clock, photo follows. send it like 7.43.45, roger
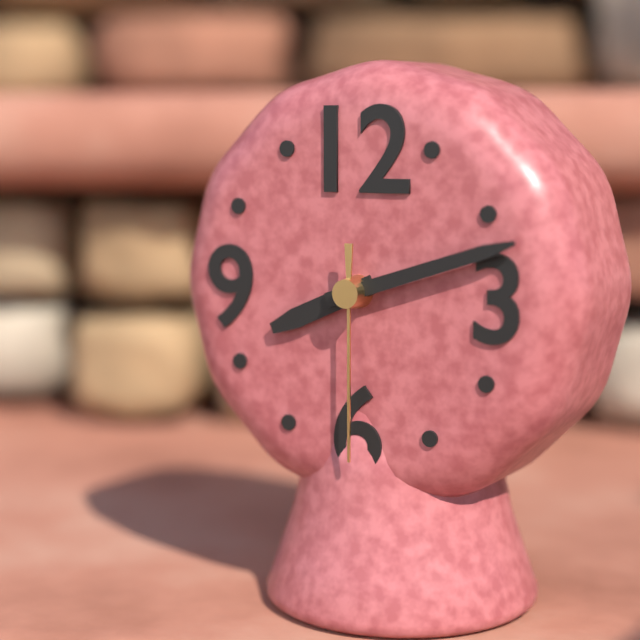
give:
8.12.30
